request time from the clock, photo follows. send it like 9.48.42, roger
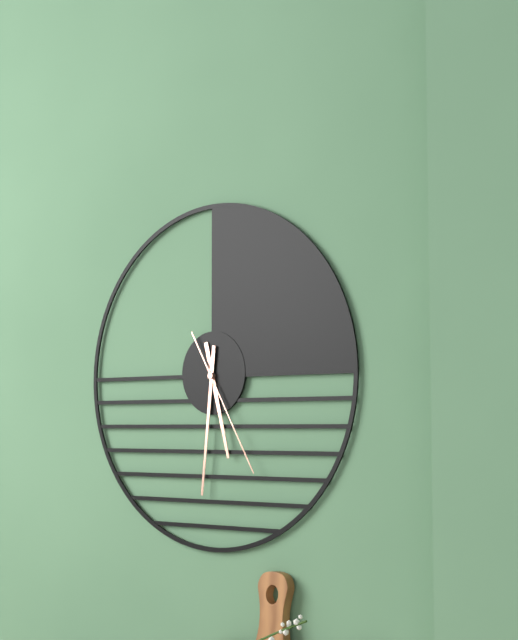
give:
5.31.25
